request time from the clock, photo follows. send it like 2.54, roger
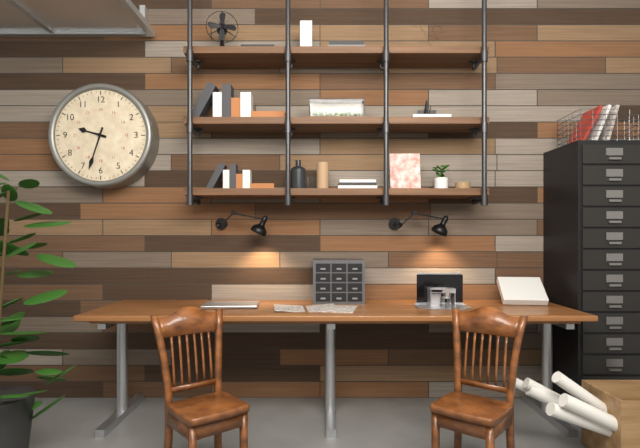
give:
9.33
